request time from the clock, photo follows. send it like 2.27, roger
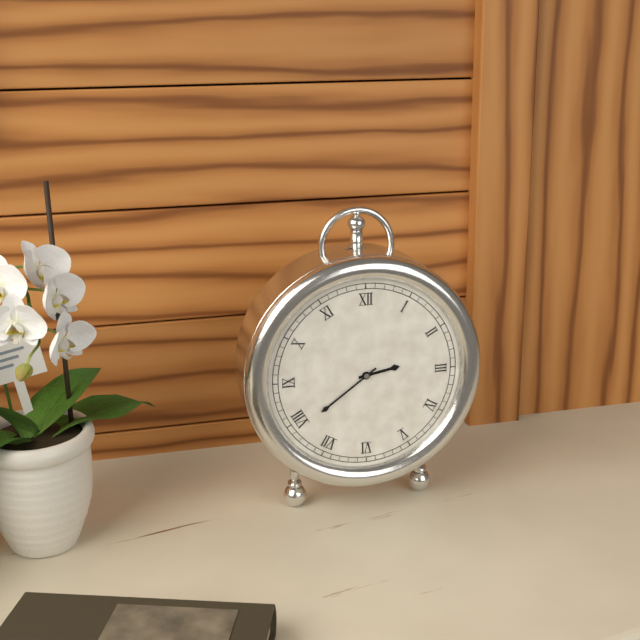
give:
2.39
